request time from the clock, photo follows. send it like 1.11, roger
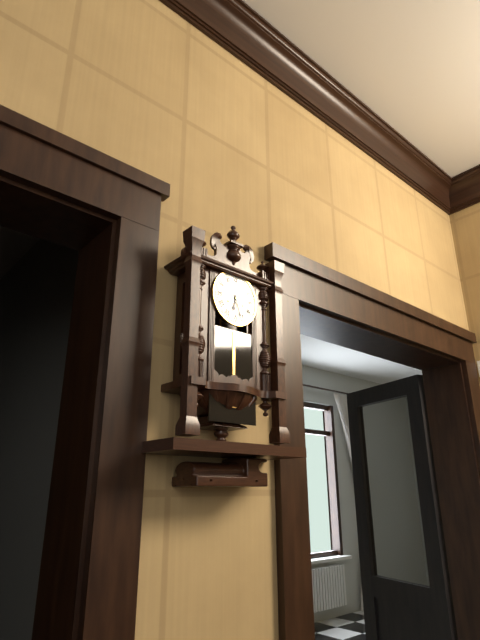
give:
6.27
